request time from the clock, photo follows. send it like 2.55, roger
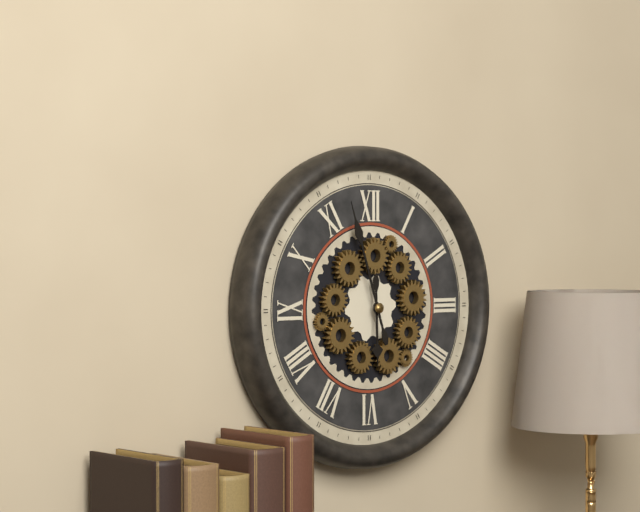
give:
5.57
